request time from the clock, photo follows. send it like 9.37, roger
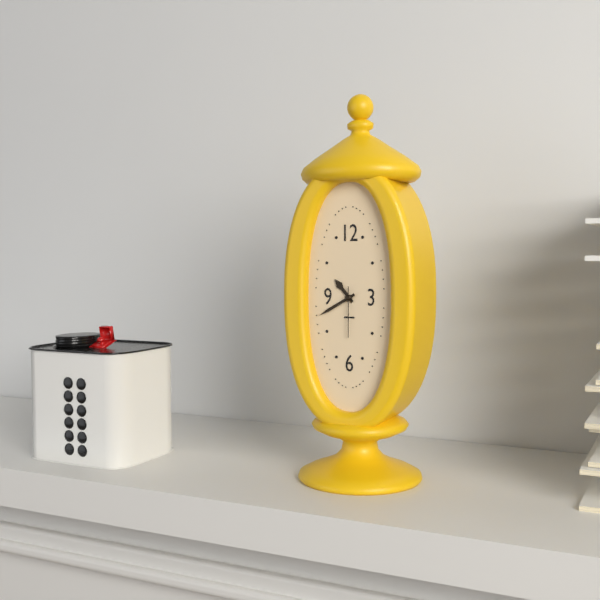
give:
10.40
